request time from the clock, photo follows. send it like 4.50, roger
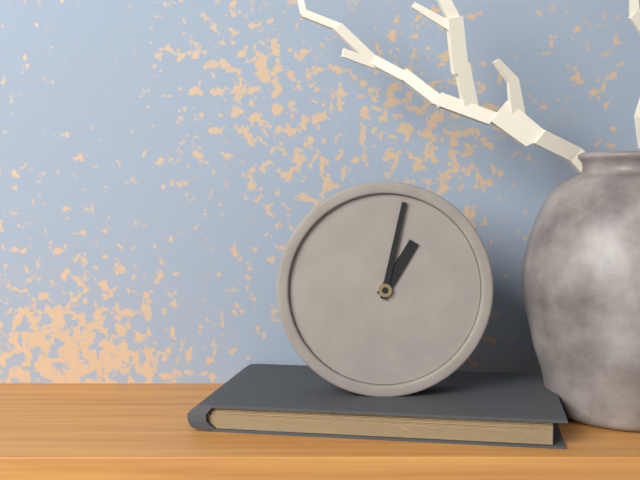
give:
1.02
